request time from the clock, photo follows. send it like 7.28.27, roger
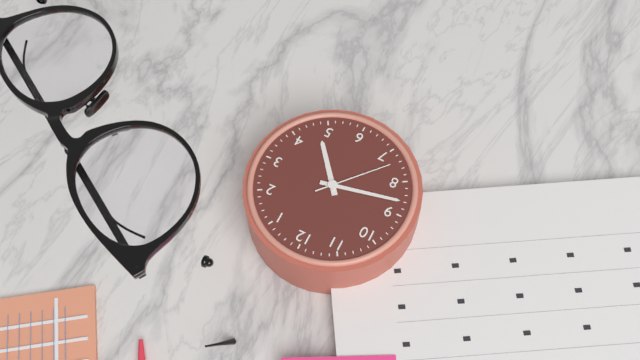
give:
4.43.37
